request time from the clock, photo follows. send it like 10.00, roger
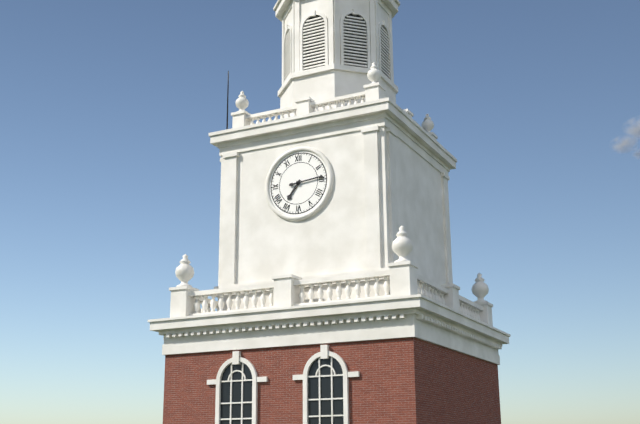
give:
7.14
